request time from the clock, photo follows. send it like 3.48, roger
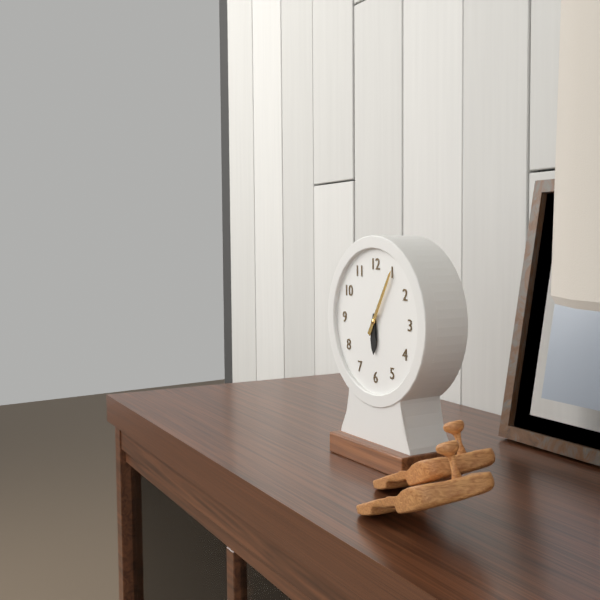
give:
6.05
